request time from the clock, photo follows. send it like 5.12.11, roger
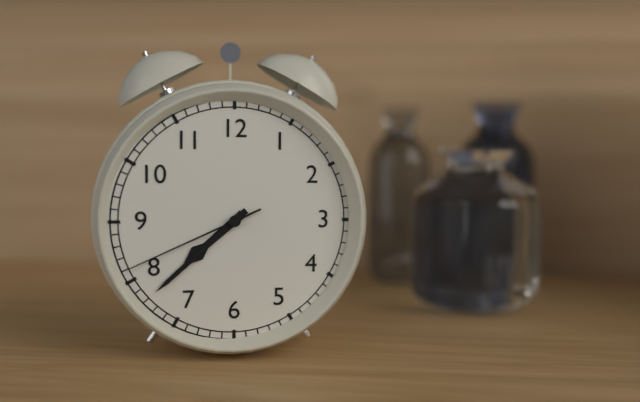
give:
7.38.41
